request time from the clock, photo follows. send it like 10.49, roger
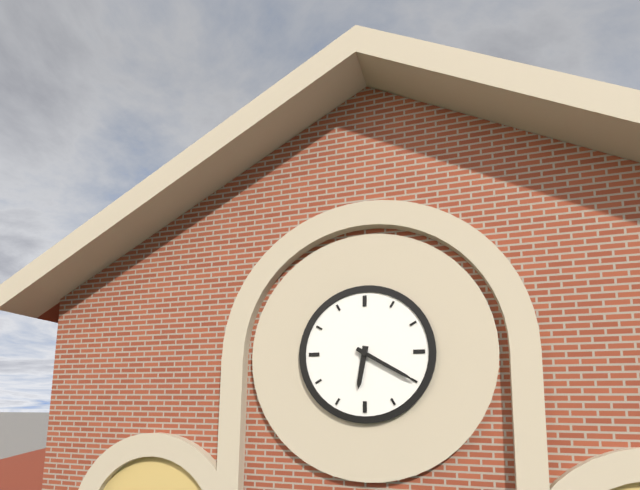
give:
6.20
